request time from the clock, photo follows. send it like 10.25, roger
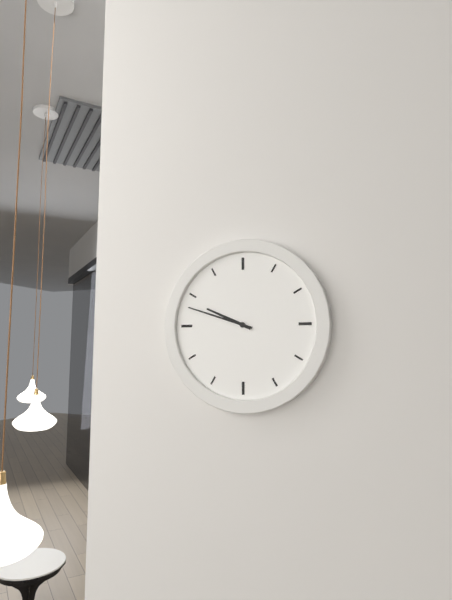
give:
9.48
